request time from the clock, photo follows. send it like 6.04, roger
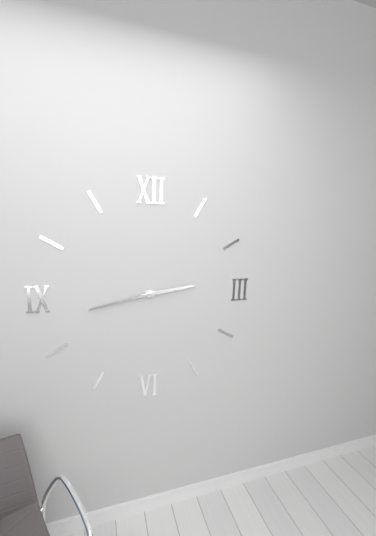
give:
2.43
